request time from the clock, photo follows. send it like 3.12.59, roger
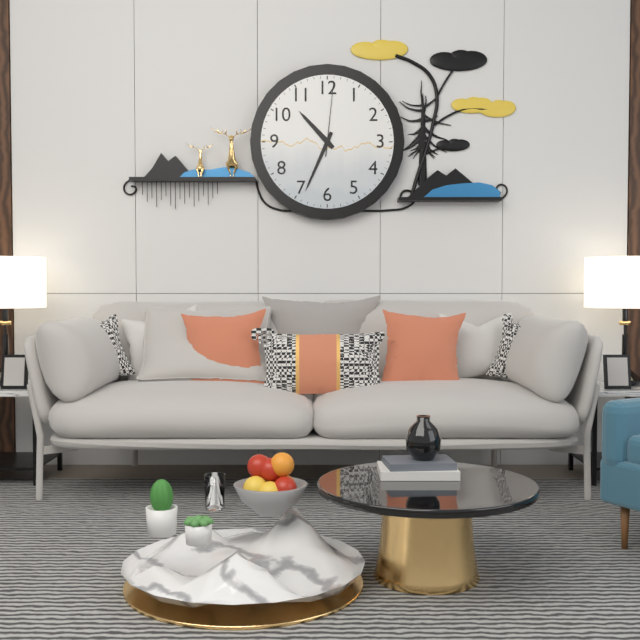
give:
10.34.01
